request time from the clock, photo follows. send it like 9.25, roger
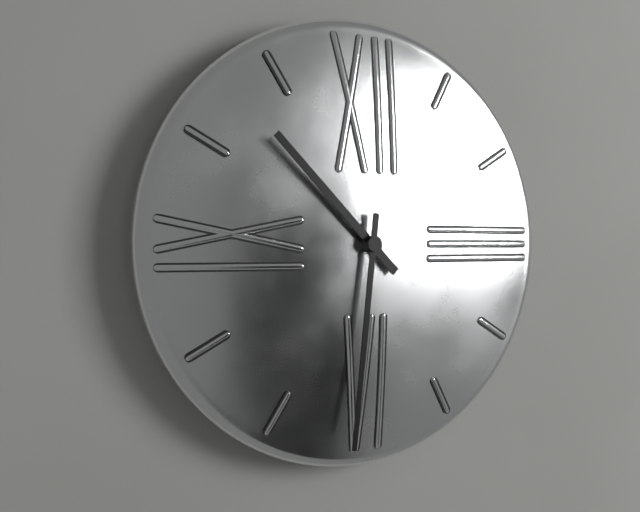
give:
10.31
